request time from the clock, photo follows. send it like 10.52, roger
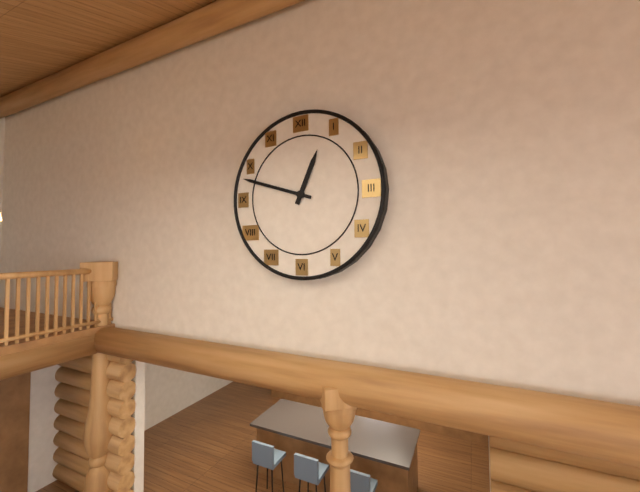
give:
12.48
